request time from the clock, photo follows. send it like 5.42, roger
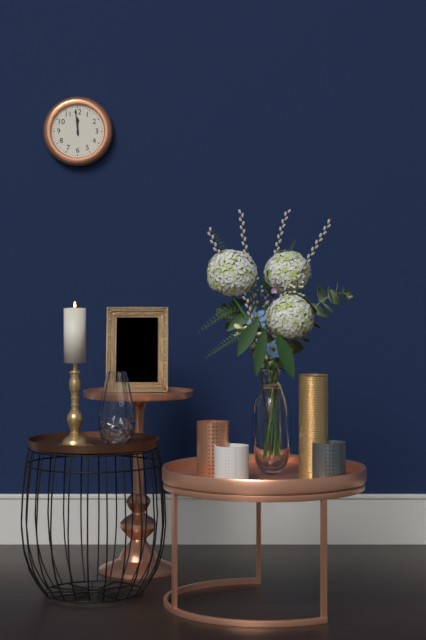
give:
11.59
